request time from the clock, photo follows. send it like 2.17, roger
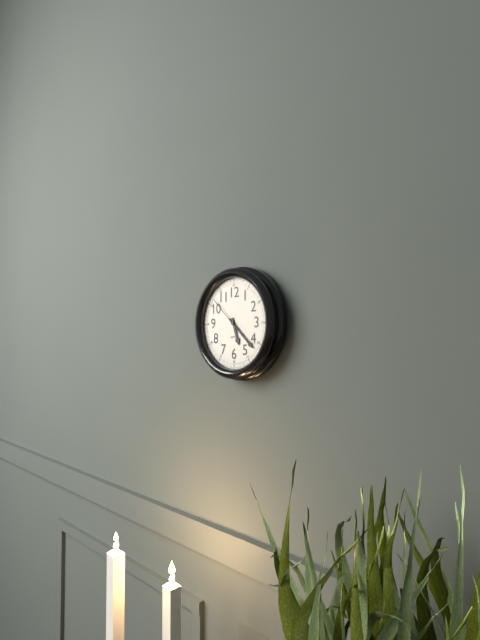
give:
5.22
